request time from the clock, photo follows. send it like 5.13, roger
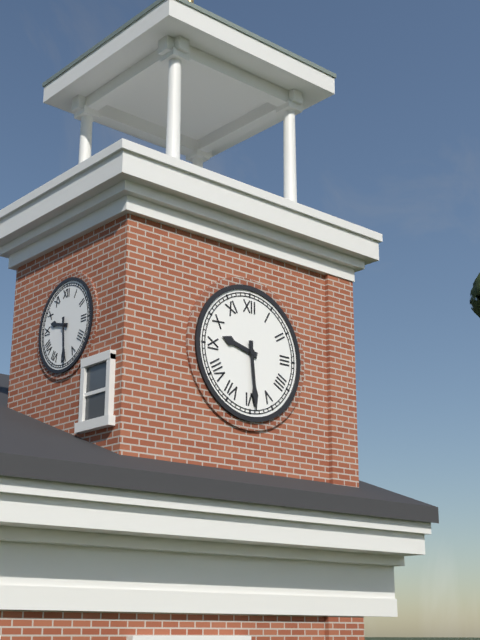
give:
9.29
